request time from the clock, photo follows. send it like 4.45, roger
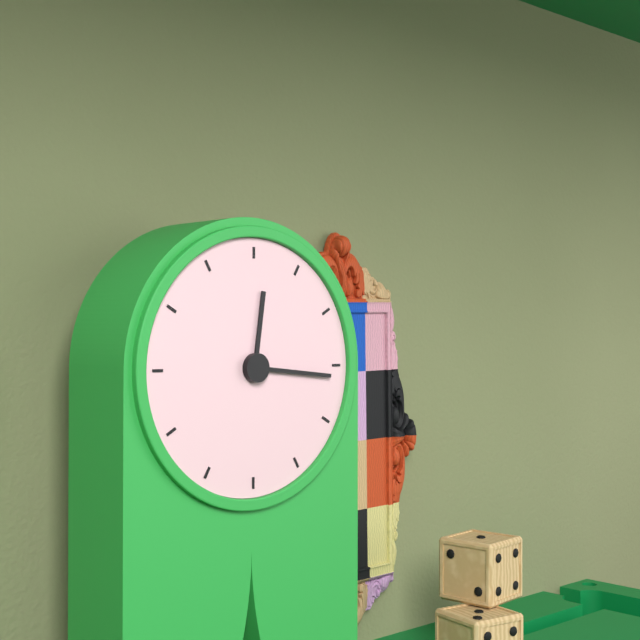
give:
12.16
